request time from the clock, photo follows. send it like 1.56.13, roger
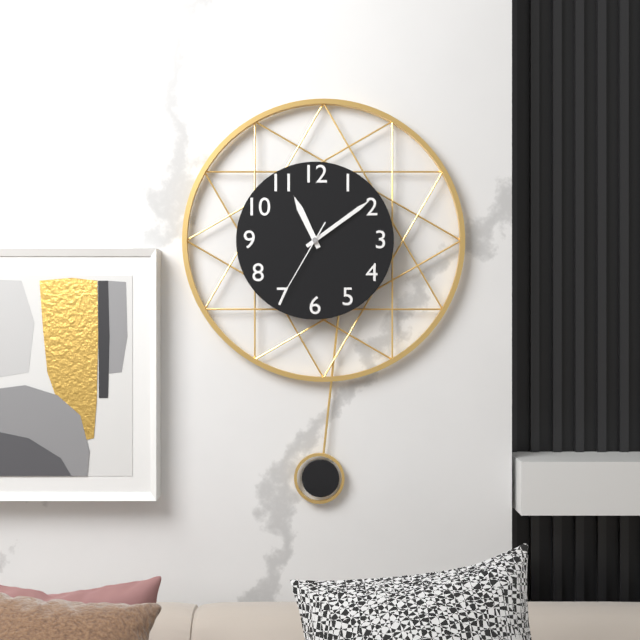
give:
11.09.35
